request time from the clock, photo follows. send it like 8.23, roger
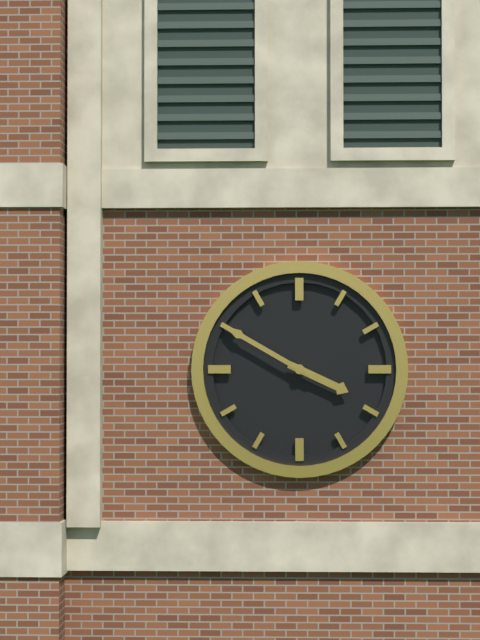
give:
3.50
